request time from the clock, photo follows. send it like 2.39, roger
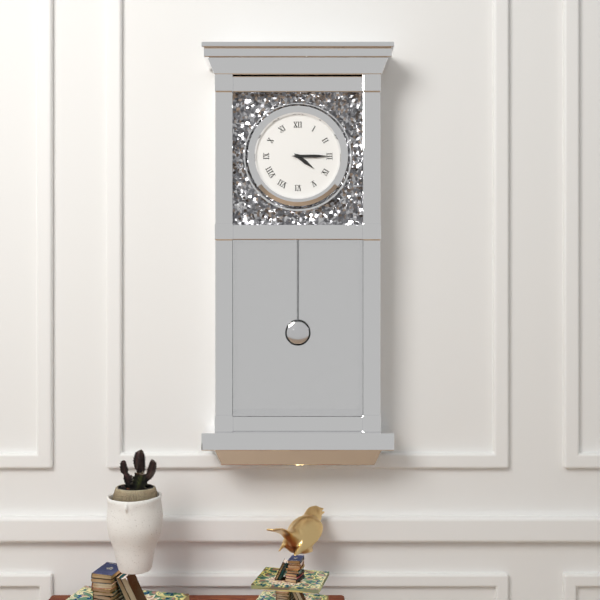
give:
4.15
